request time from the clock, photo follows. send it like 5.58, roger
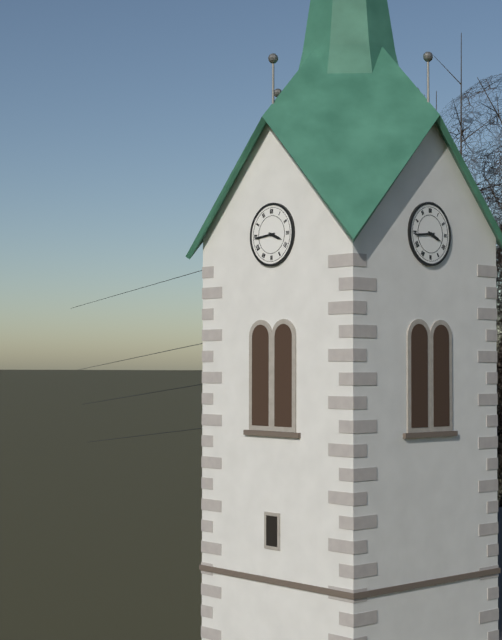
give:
3.44
